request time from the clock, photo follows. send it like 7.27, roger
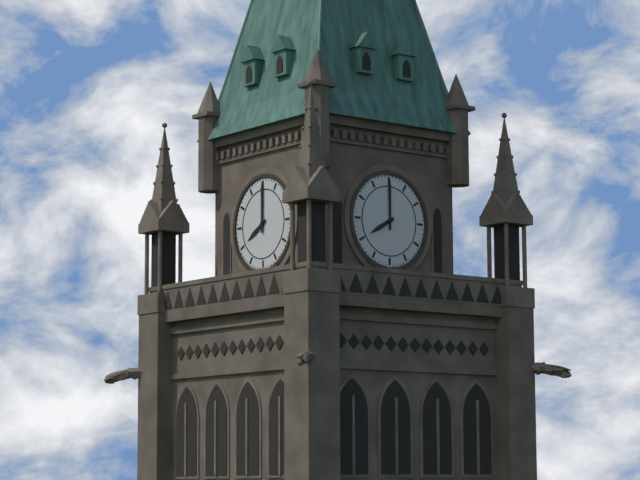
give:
8.00
